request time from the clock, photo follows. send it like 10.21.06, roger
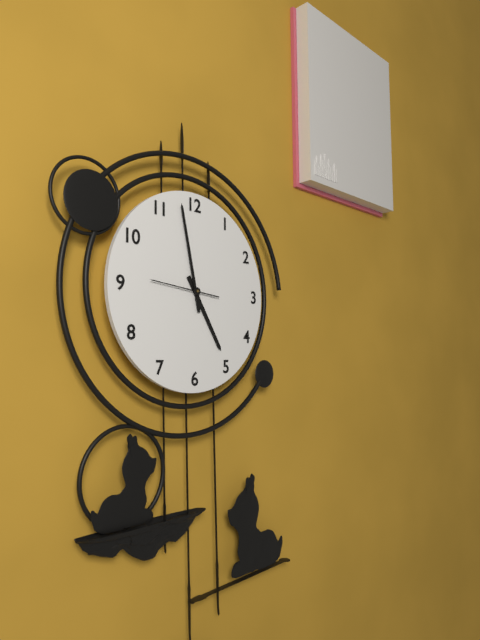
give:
4.58.46
